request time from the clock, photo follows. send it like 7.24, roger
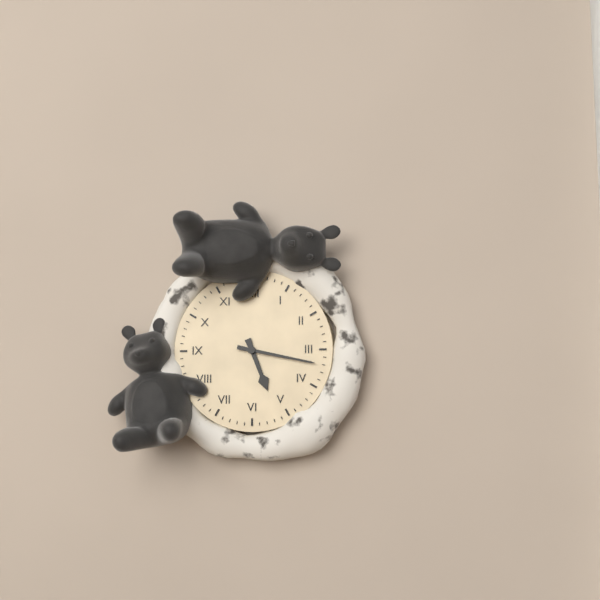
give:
5.17
